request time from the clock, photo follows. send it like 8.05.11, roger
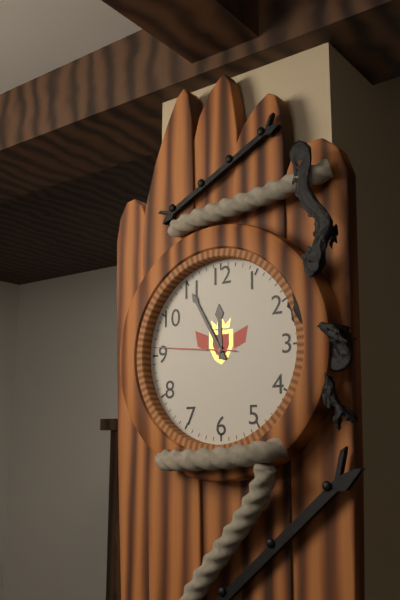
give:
11.55.46
